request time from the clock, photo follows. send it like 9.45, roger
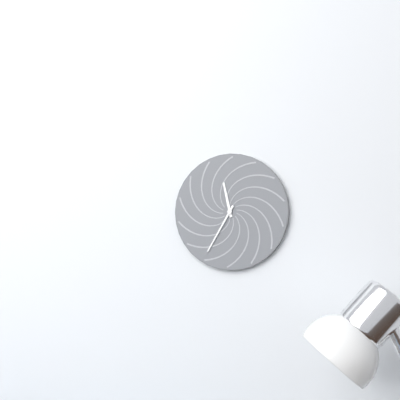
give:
11.35
